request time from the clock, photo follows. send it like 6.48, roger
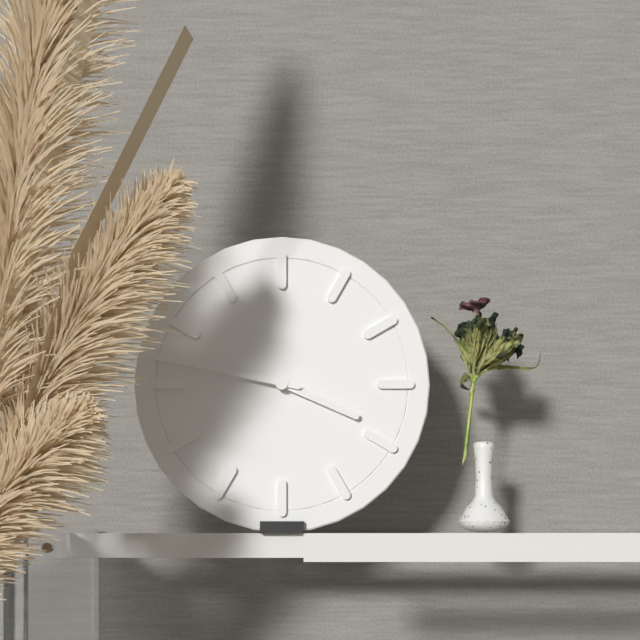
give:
3.47
